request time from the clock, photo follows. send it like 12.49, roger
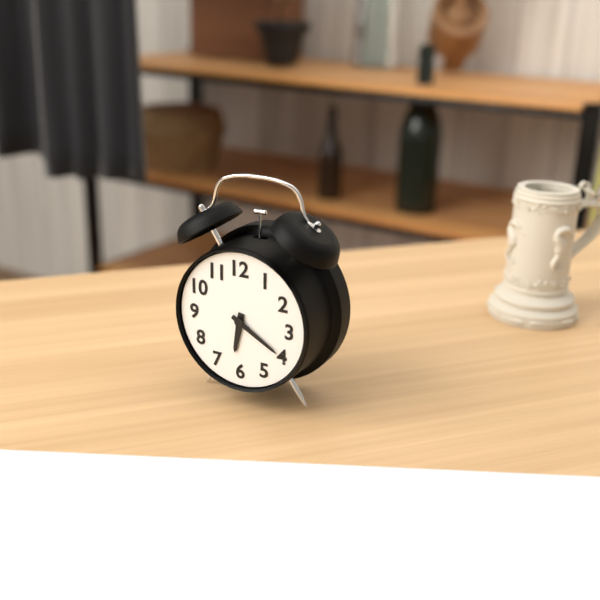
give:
6.20
